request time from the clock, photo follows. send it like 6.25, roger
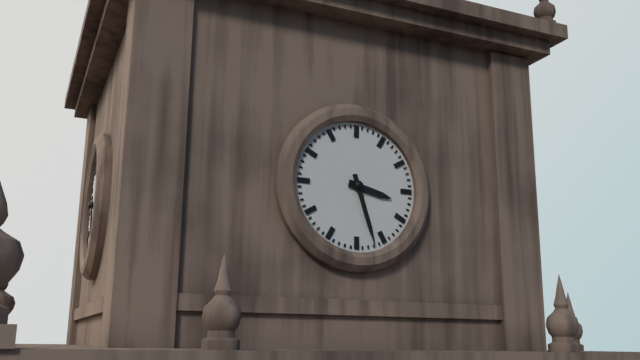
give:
3.27
